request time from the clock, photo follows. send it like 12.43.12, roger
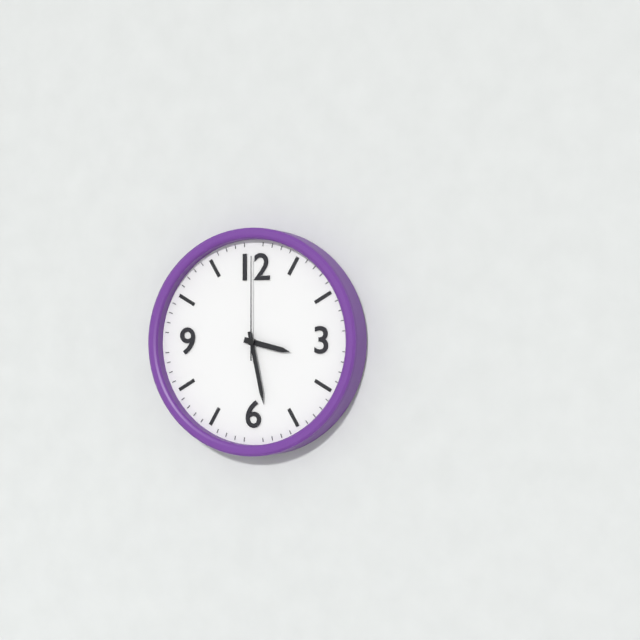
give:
3.28.00
